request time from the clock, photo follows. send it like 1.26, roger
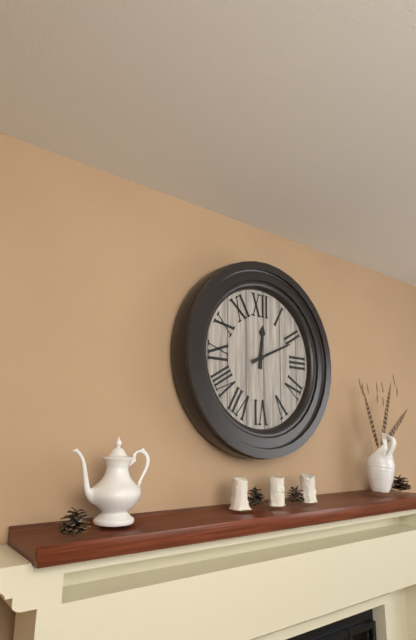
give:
12.11
